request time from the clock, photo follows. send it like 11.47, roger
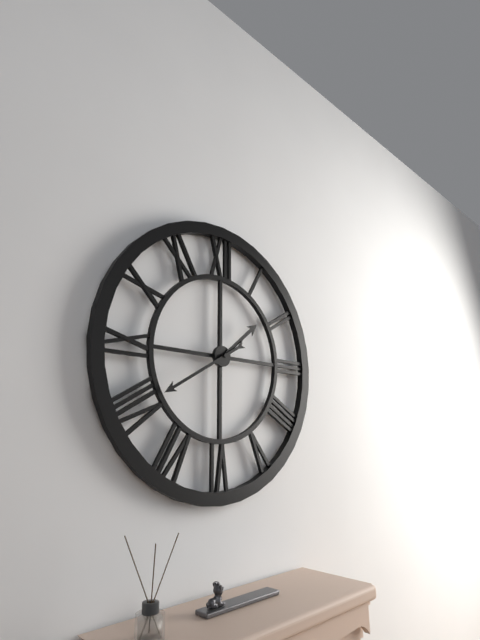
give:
1.40
